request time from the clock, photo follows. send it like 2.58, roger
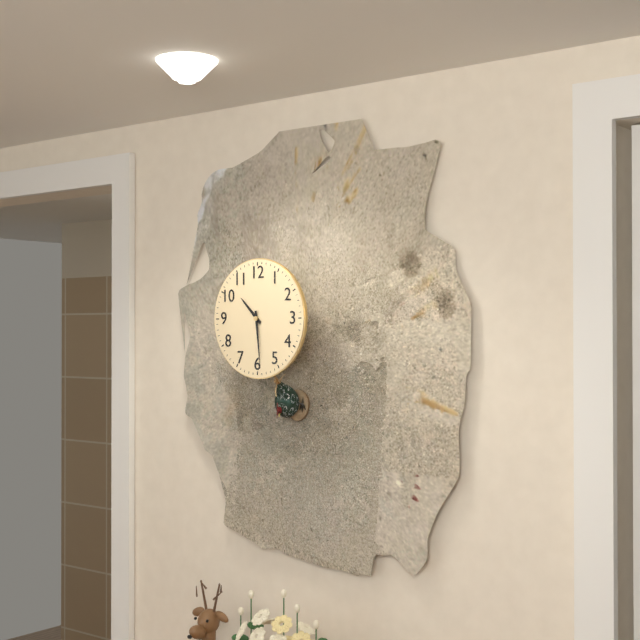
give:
10.29
